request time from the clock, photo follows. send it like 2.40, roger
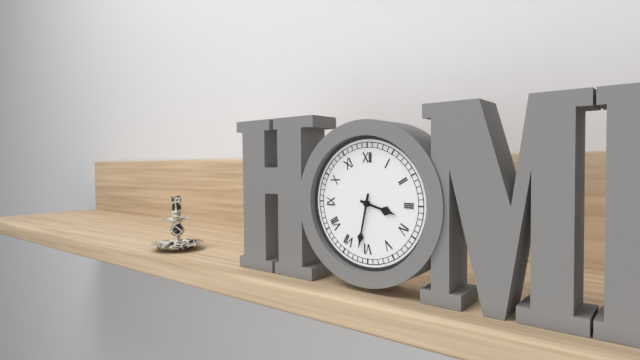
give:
3.32
